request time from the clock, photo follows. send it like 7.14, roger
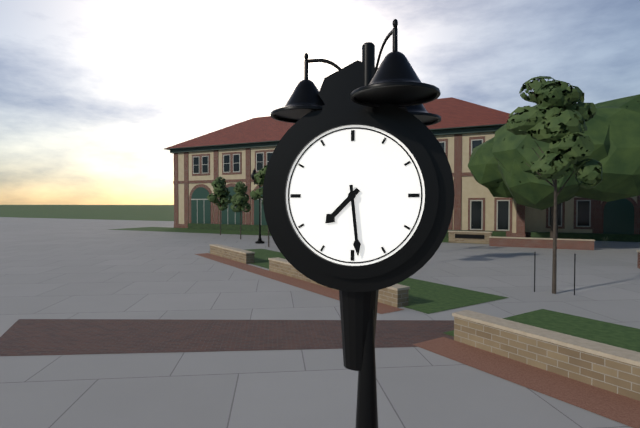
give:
7.29
